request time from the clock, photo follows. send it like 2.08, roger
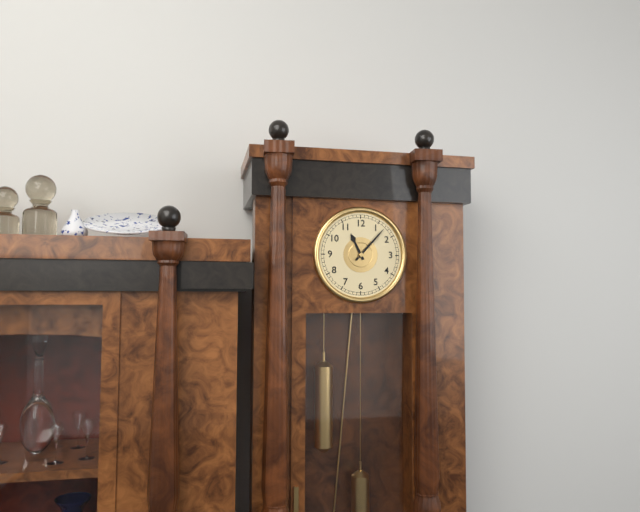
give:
11.07
